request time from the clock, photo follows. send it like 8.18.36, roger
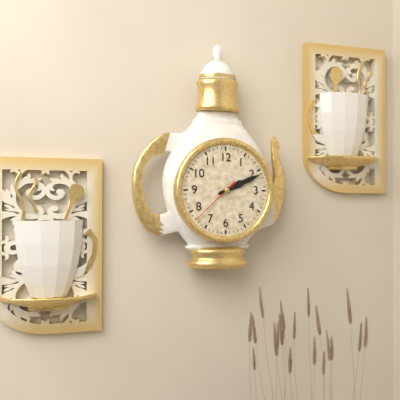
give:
2.11.38
